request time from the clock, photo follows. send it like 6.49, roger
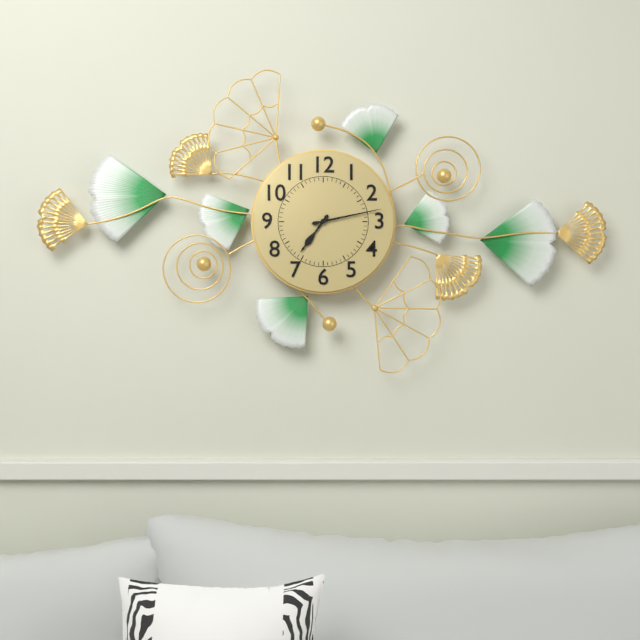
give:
7.13
